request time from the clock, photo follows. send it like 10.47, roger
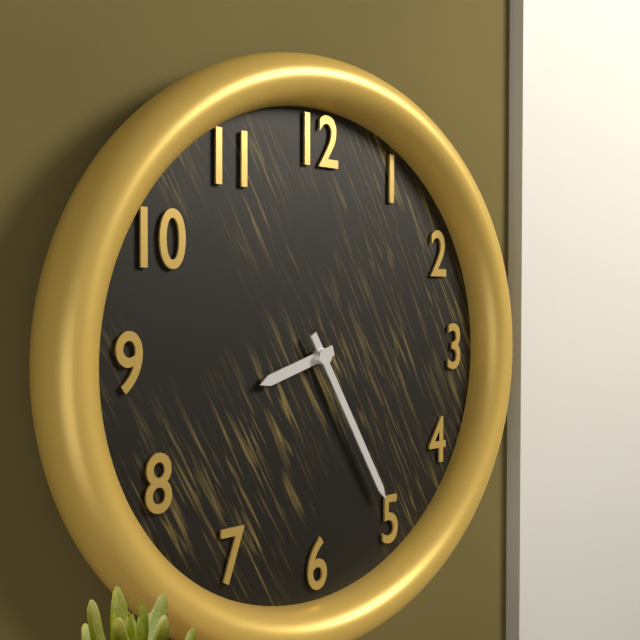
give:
8.25
